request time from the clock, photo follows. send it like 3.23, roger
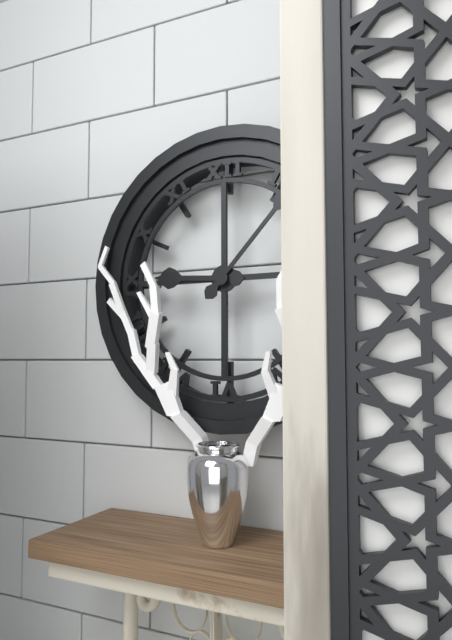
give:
9.07
